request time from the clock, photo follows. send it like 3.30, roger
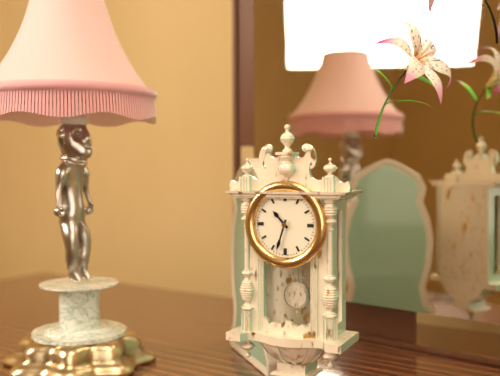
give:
10.33
